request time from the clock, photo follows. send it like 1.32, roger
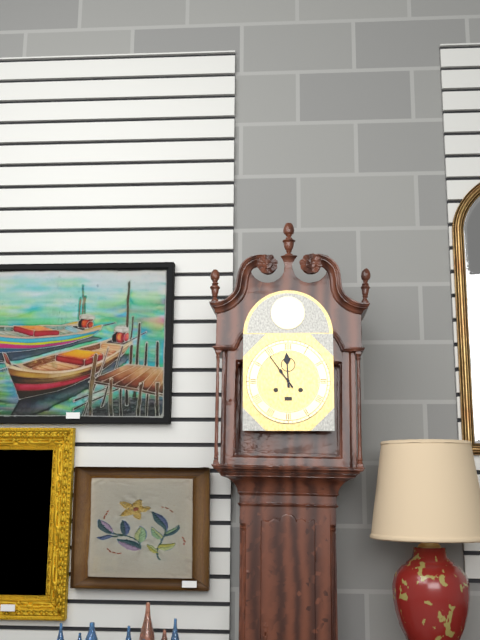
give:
11.54
